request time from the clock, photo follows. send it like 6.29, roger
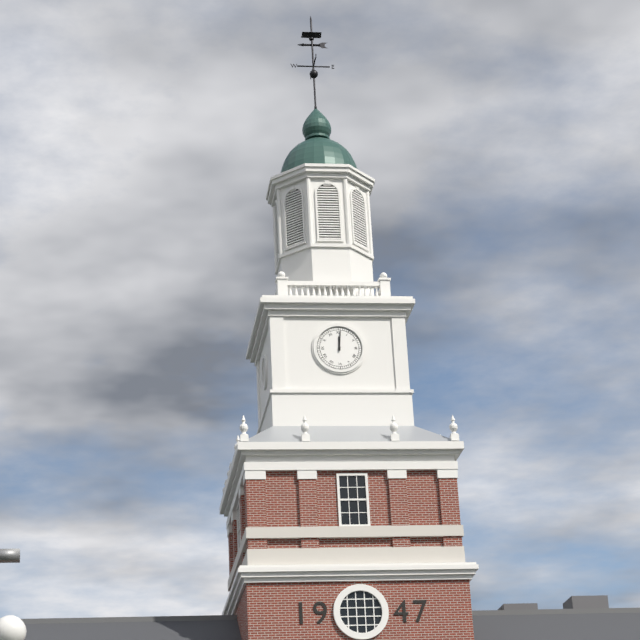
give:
12.01
